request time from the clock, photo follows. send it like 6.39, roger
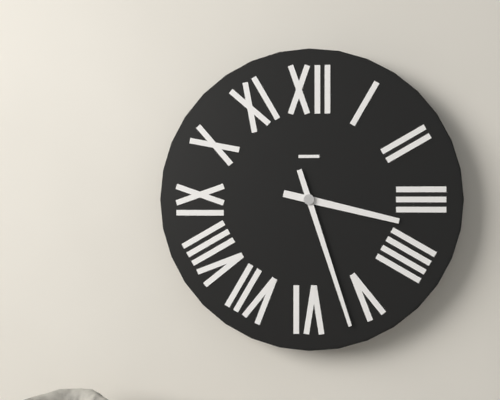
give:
3.27
